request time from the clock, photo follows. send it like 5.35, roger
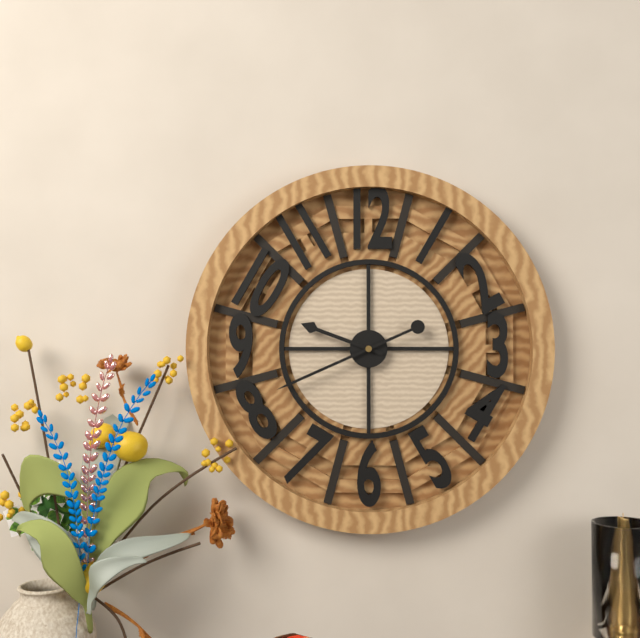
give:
9.41
